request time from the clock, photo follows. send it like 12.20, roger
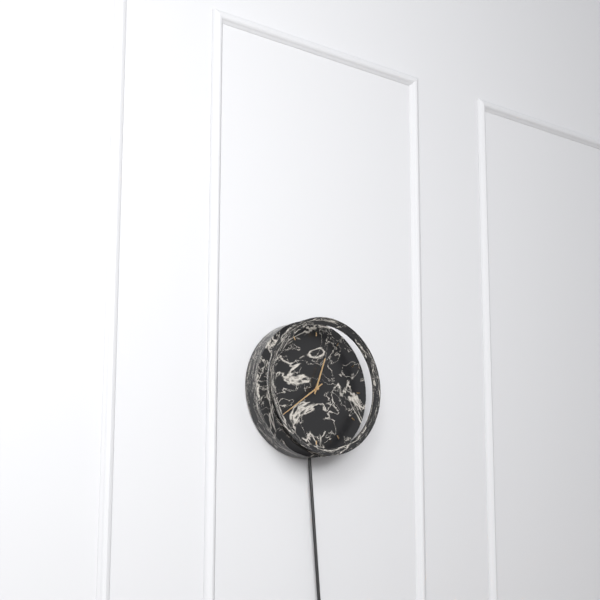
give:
12.39
